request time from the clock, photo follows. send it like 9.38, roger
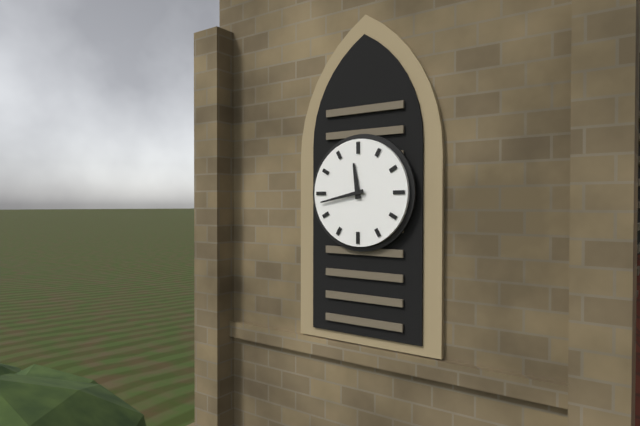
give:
11.43
